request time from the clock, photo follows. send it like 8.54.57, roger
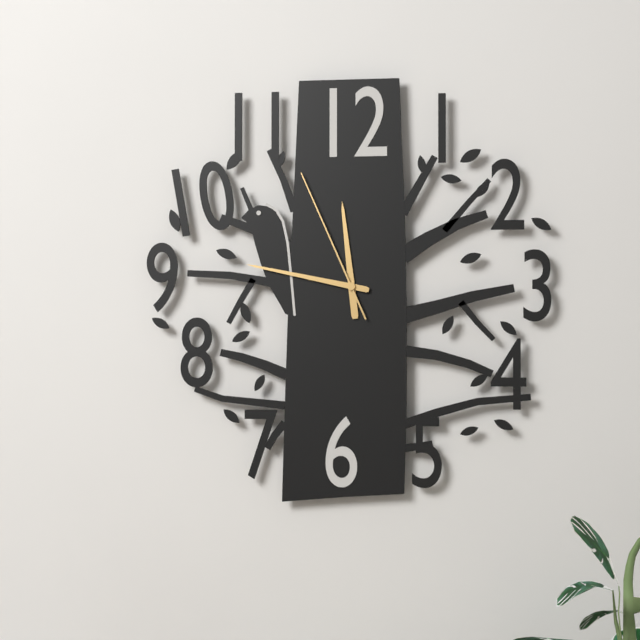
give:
11.47.56
